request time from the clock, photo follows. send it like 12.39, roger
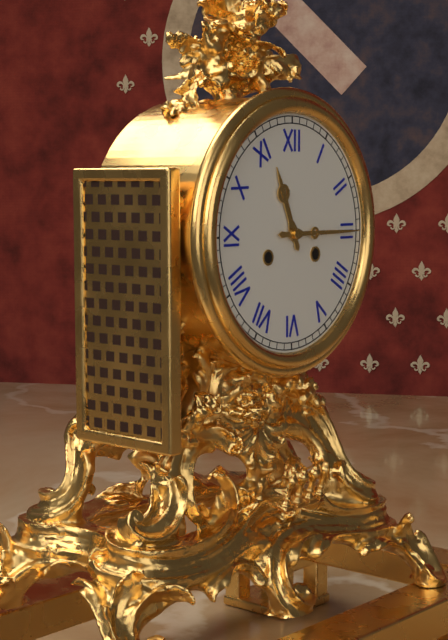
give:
11.15
